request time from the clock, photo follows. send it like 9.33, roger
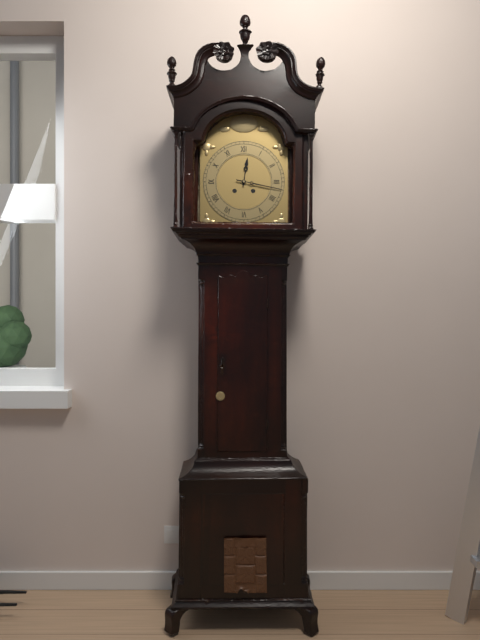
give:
12.17
